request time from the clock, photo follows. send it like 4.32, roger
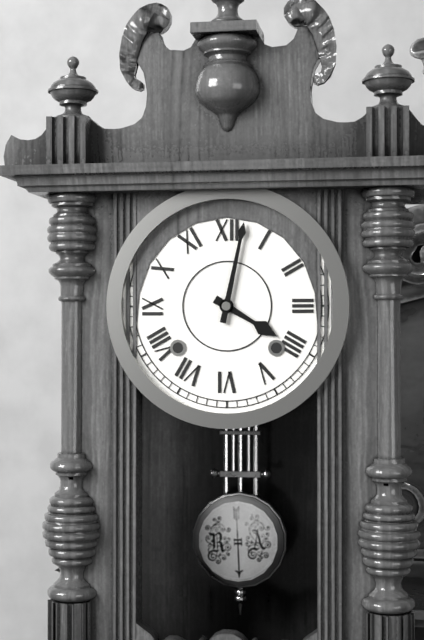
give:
4.02
